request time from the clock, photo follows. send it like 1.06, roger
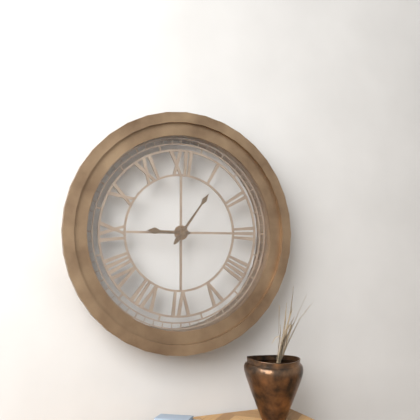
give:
9.06
